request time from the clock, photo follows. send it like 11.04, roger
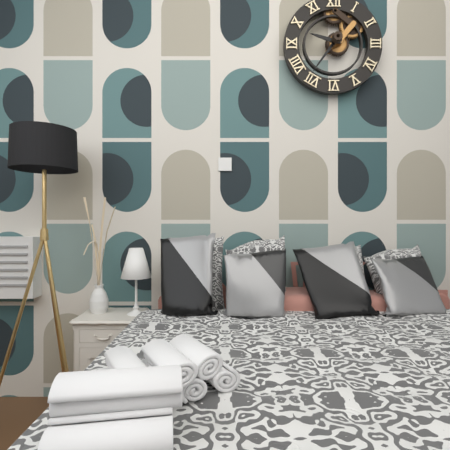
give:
9.36
